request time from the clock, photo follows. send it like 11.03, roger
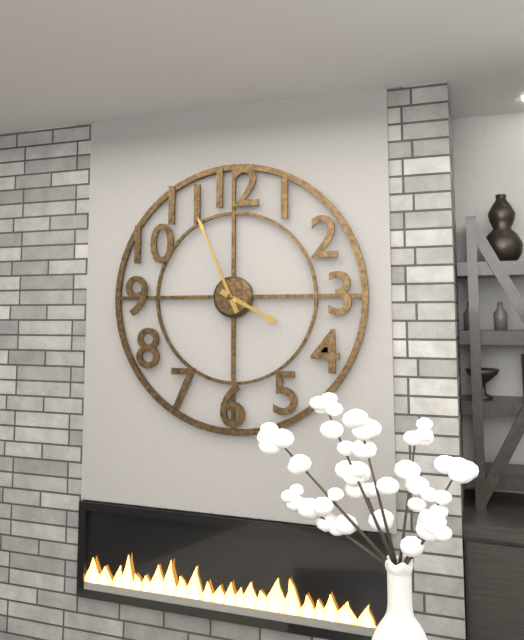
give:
3.56
